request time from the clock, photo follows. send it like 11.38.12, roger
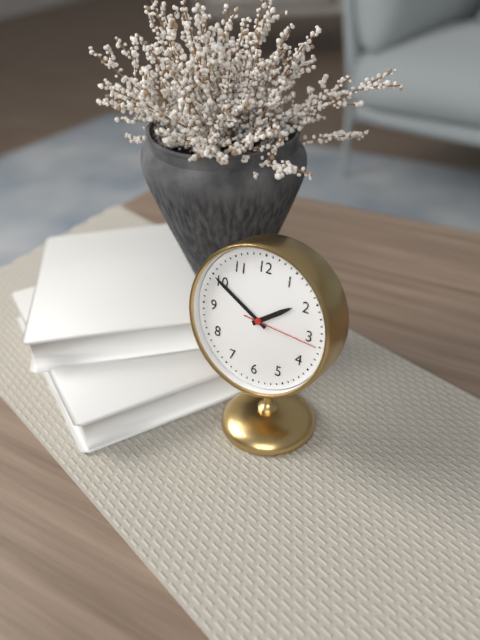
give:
1.50.16
